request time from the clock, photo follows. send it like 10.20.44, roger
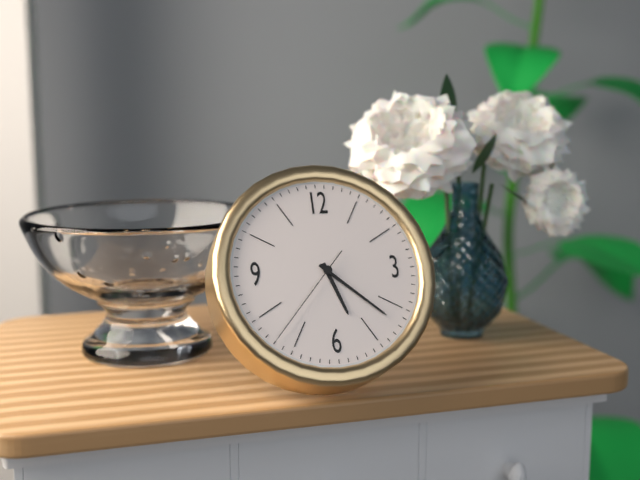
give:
5.22.37
